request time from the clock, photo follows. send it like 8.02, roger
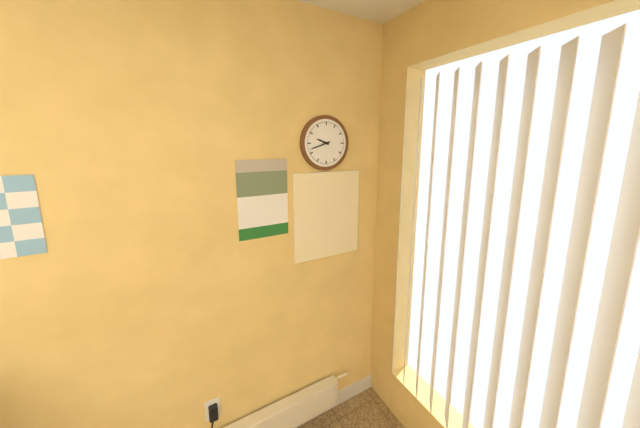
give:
9.42
